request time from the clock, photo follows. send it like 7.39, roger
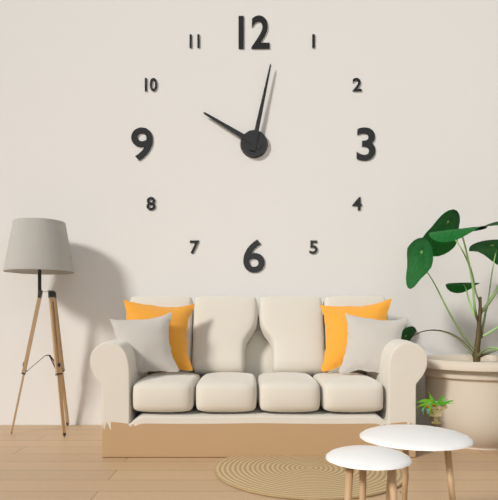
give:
10.02
